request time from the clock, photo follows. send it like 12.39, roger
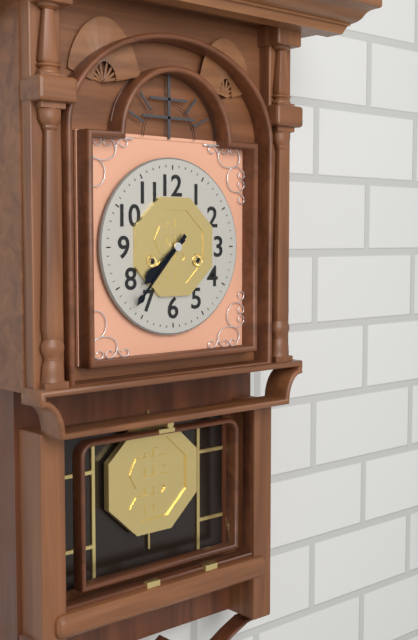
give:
7.37
